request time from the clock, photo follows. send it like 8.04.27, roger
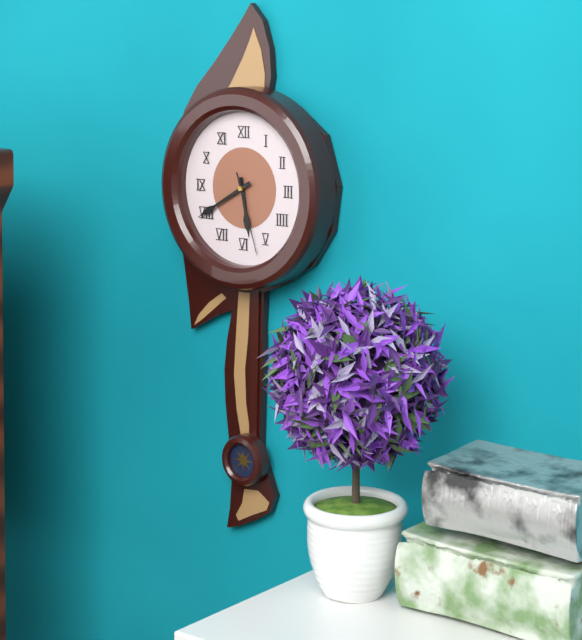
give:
5.40.27
